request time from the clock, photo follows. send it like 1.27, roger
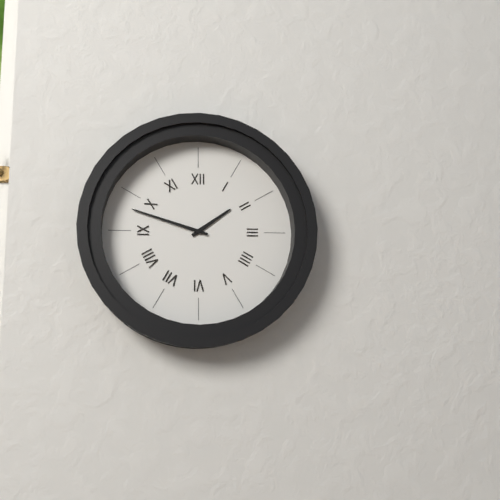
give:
1.48
